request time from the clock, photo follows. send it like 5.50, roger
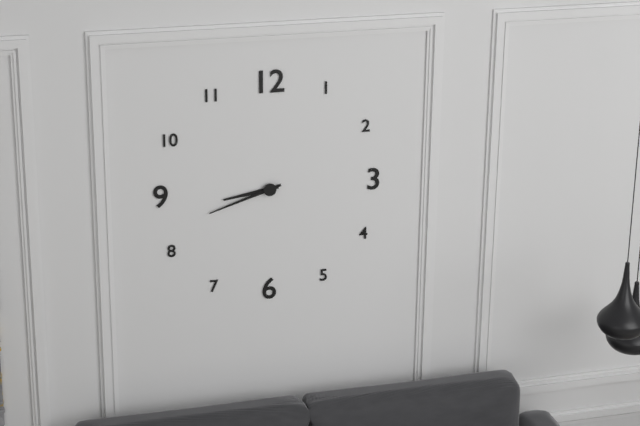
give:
8.42
